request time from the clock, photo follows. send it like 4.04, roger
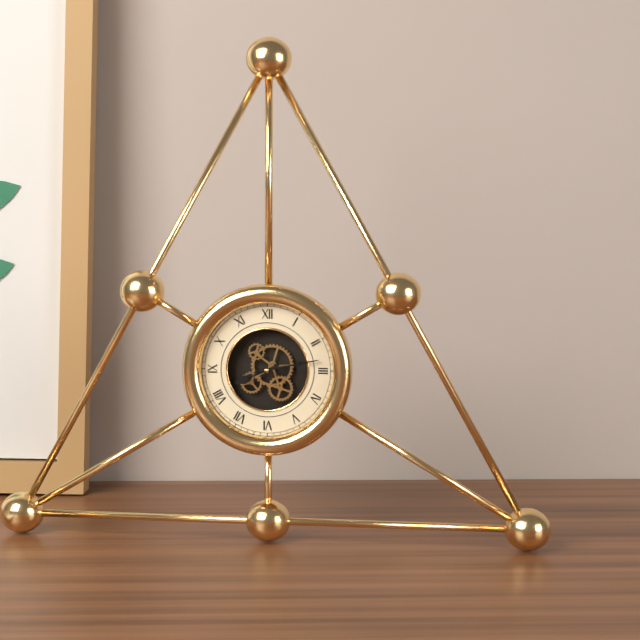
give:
8.13
